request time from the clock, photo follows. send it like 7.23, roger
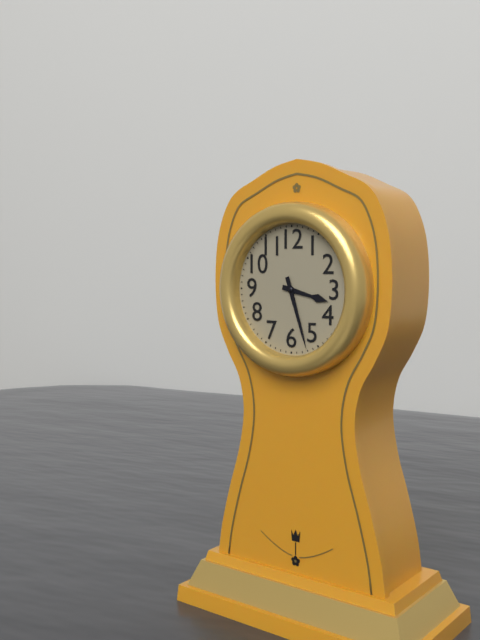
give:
3.27
